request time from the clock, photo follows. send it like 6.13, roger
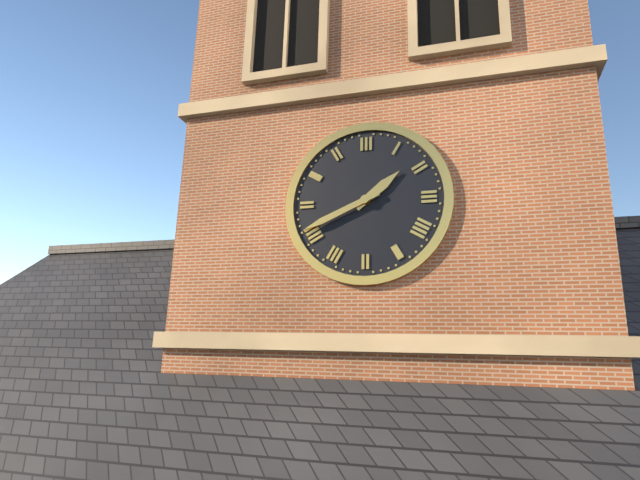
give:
1.41
